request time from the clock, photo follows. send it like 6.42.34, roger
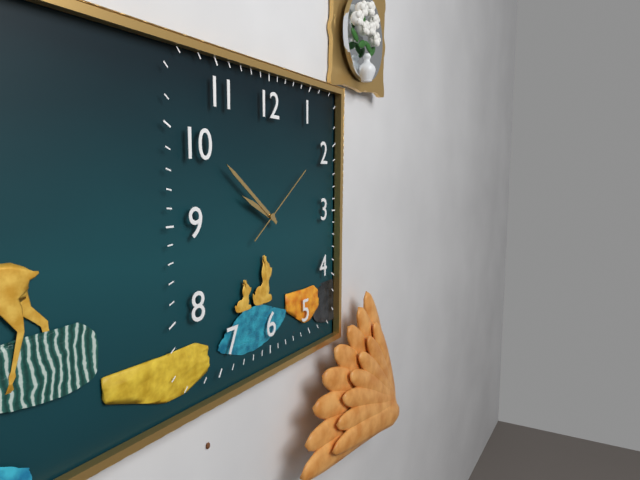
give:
9.51.09
